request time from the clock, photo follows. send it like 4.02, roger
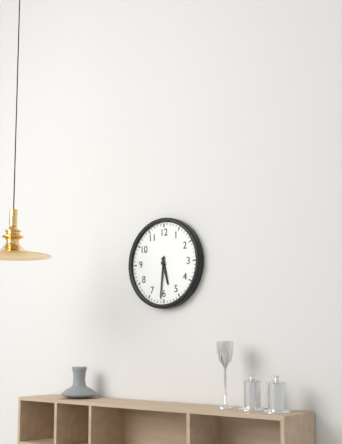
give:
5.31
